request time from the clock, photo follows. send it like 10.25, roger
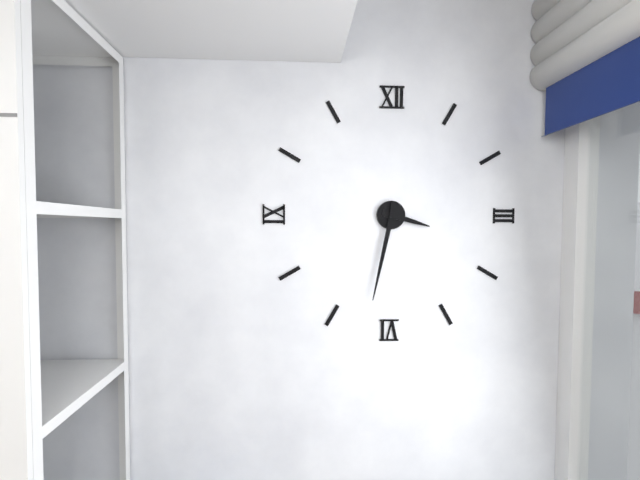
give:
3.32
